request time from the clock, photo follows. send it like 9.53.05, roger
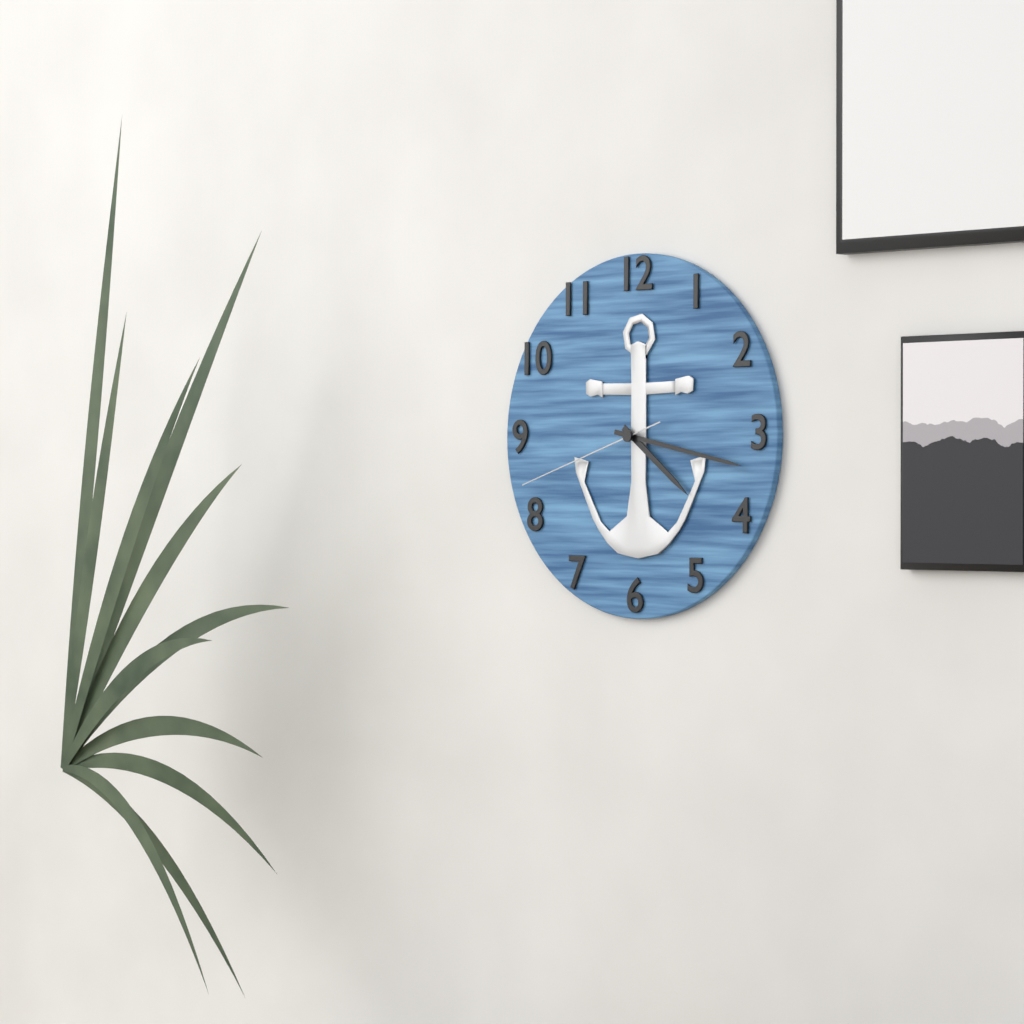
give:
4.17.42
